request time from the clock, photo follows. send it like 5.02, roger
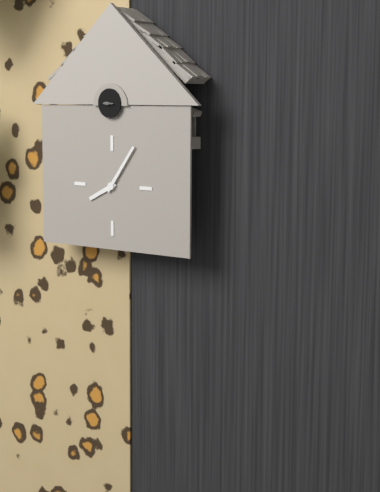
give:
8.06
